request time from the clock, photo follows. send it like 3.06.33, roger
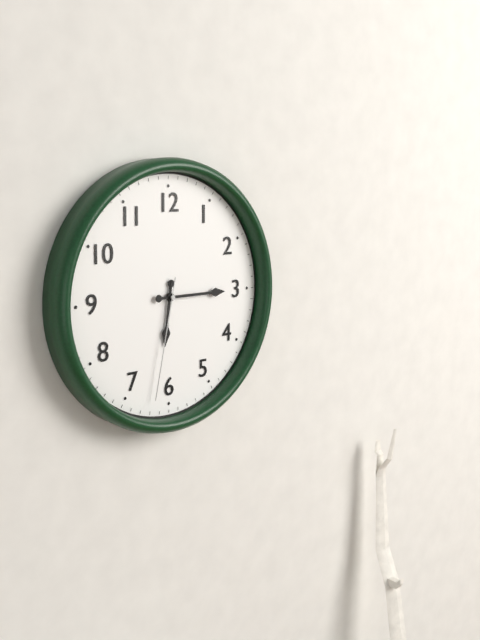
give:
6.15.32
